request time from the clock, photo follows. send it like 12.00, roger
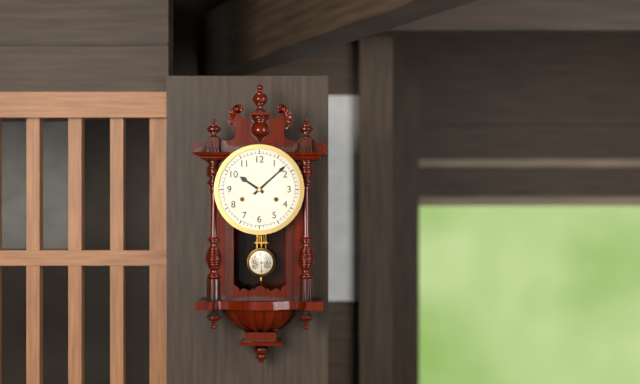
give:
10.08
